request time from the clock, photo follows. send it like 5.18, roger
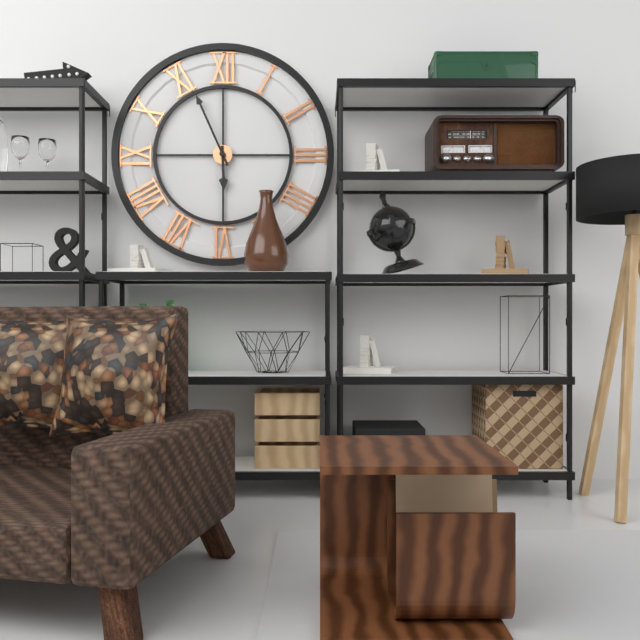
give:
5.56
